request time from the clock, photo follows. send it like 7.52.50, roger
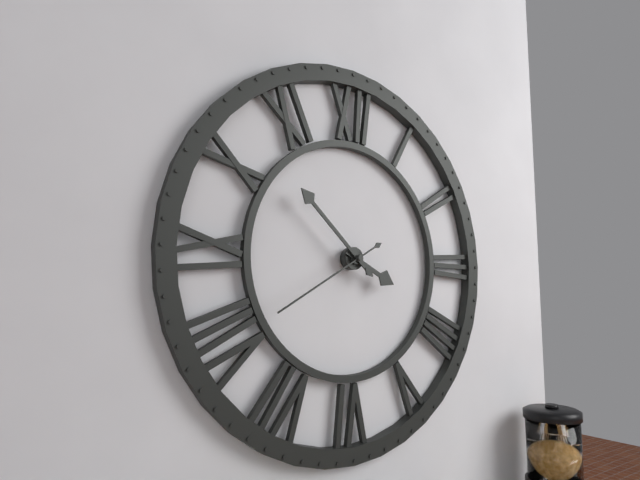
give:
3.52.40
